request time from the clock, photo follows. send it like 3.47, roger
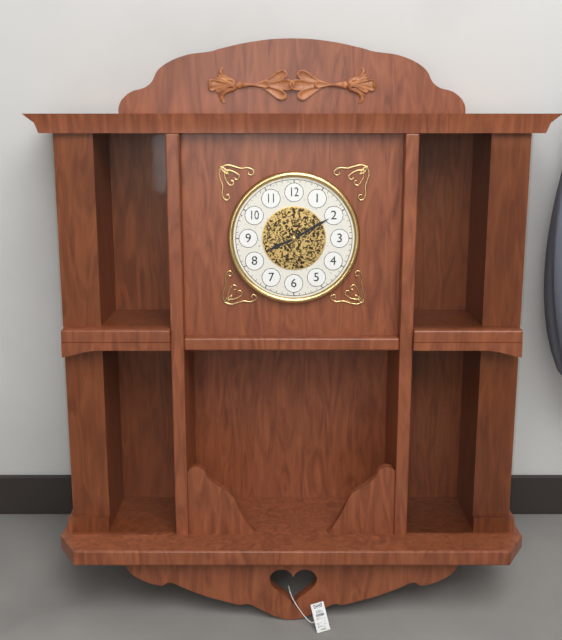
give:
8.10
